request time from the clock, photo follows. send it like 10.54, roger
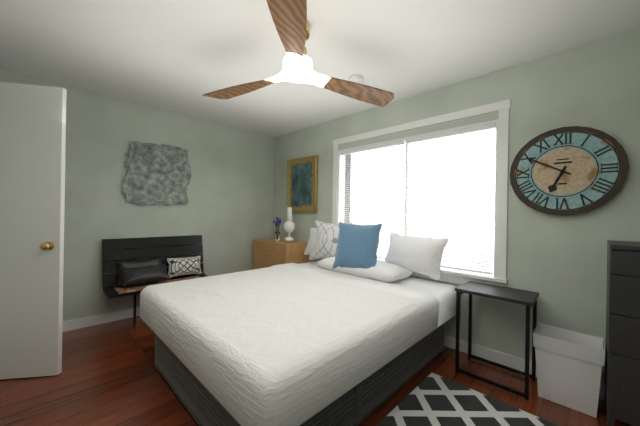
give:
6.50
